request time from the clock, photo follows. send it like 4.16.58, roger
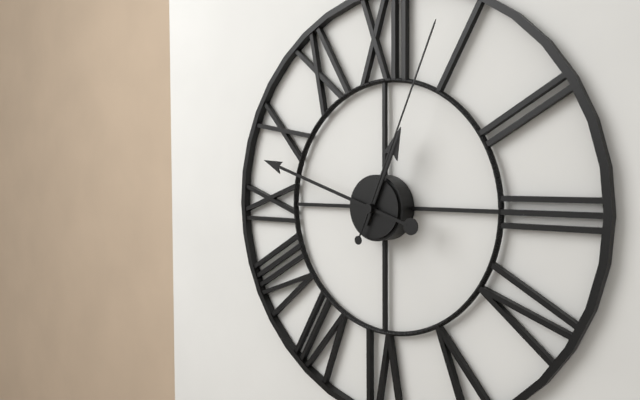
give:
12.48.04
